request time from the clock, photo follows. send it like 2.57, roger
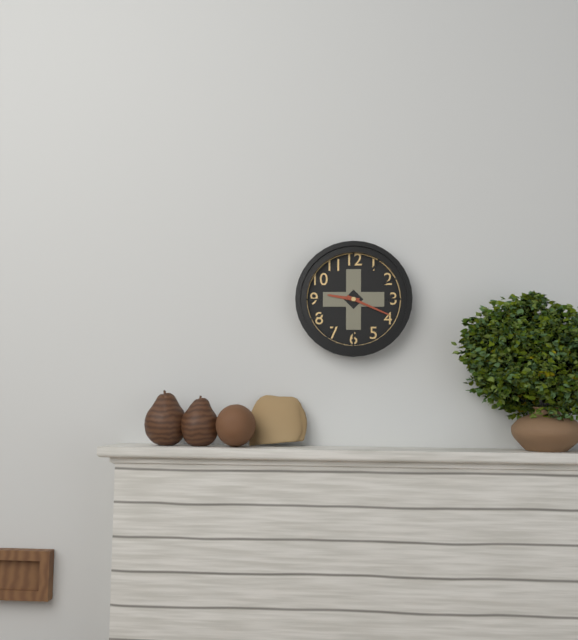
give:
9.19
